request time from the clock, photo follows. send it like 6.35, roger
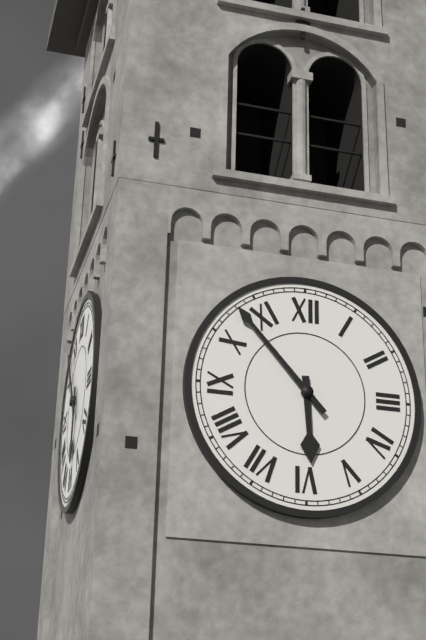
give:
5.53
